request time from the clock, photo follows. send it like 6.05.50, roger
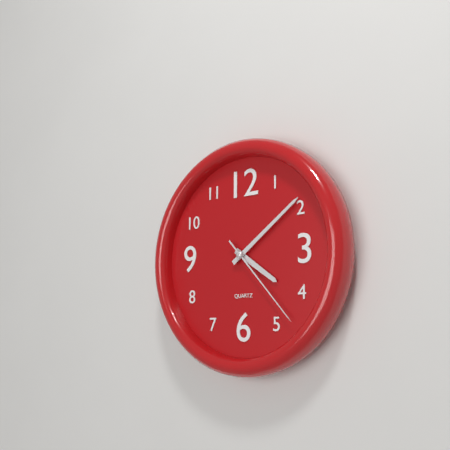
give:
4.09.23
